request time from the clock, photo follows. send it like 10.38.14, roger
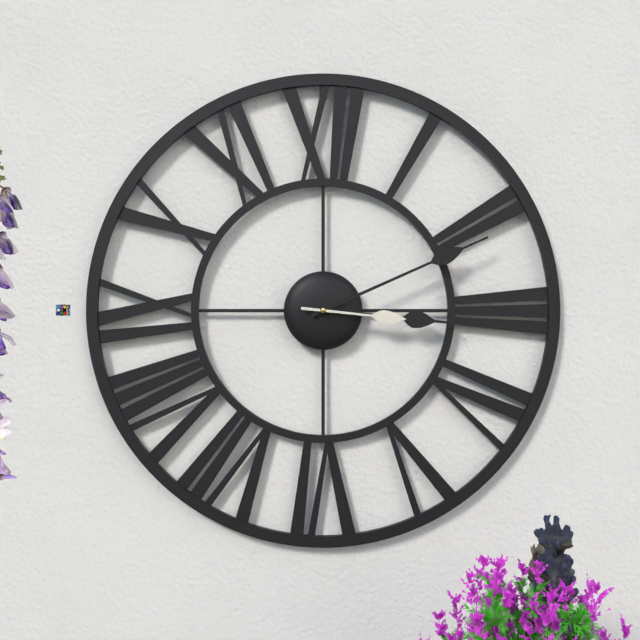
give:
3.11.16
